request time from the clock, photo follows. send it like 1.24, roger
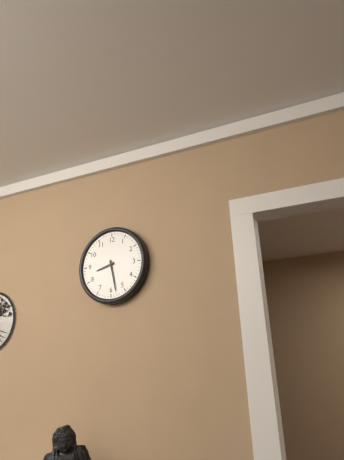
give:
8.28
